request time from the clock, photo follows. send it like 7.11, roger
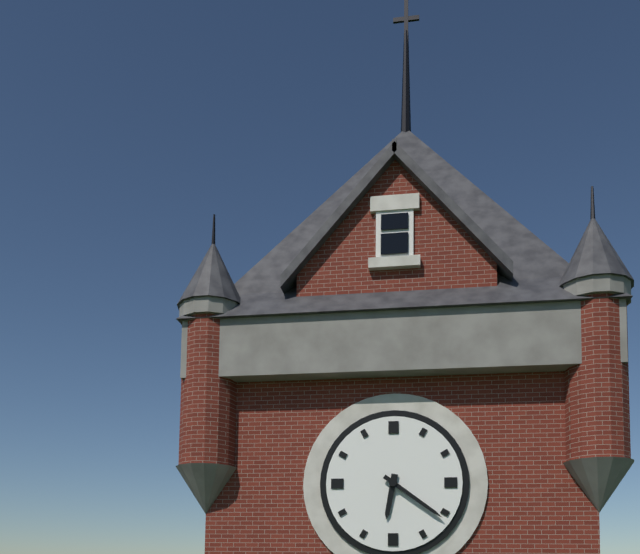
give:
6.21
